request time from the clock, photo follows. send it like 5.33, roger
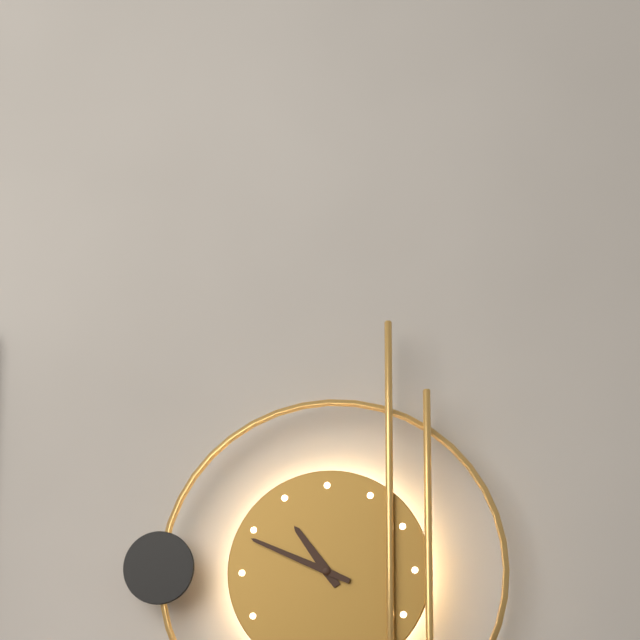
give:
10.49
